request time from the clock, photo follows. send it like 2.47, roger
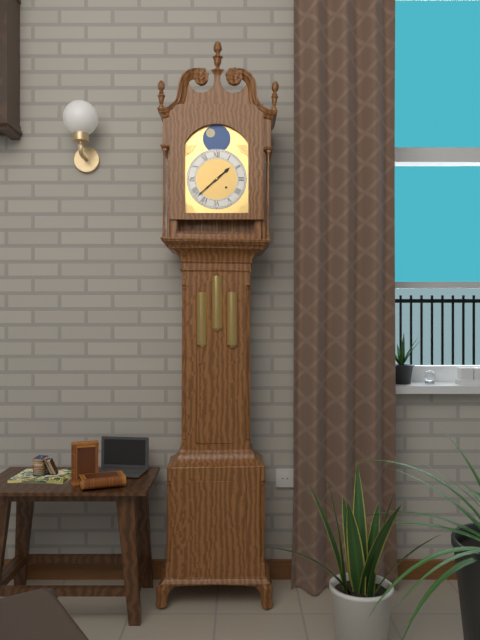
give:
1.38
